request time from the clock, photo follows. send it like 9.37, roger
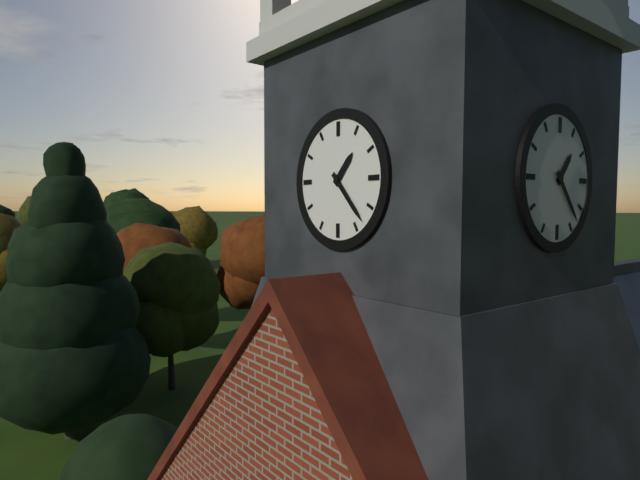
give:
1.23
